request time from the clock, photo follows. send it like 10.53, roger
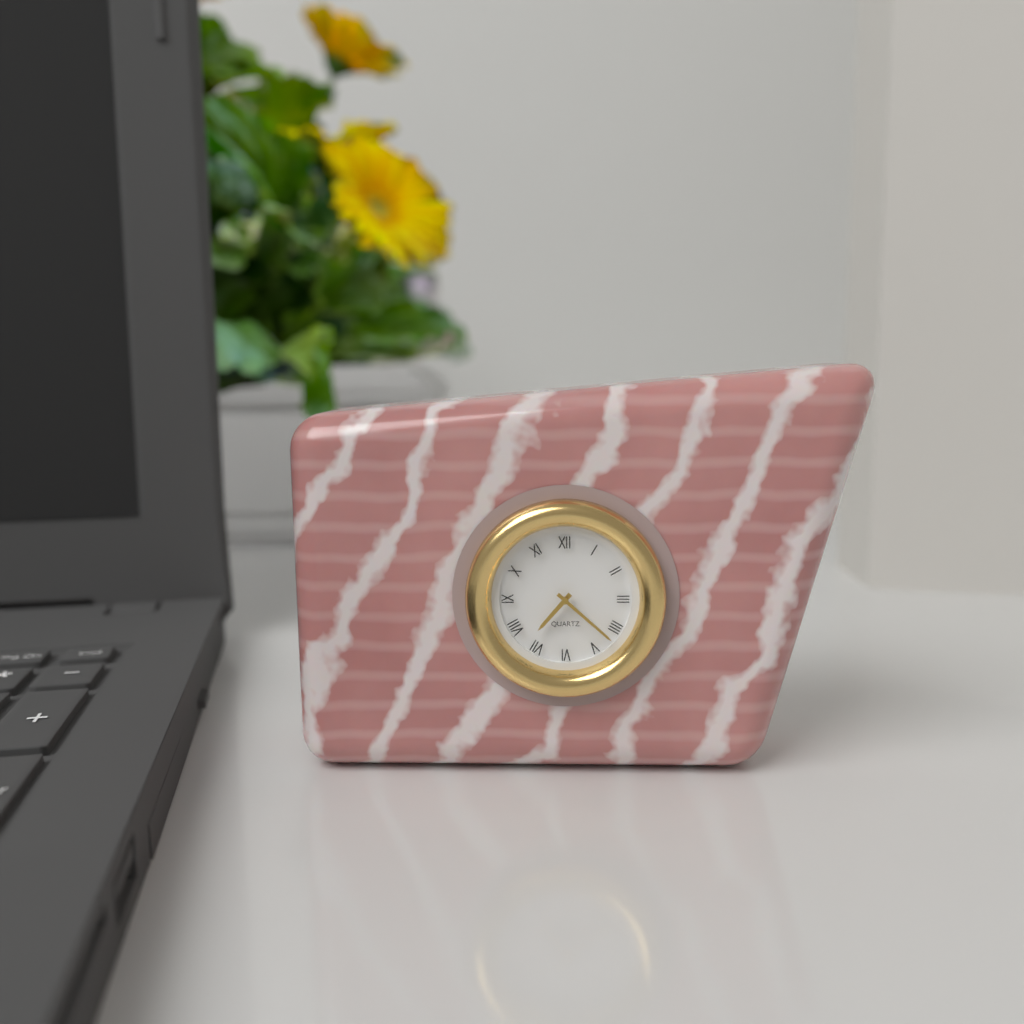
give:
7.22
